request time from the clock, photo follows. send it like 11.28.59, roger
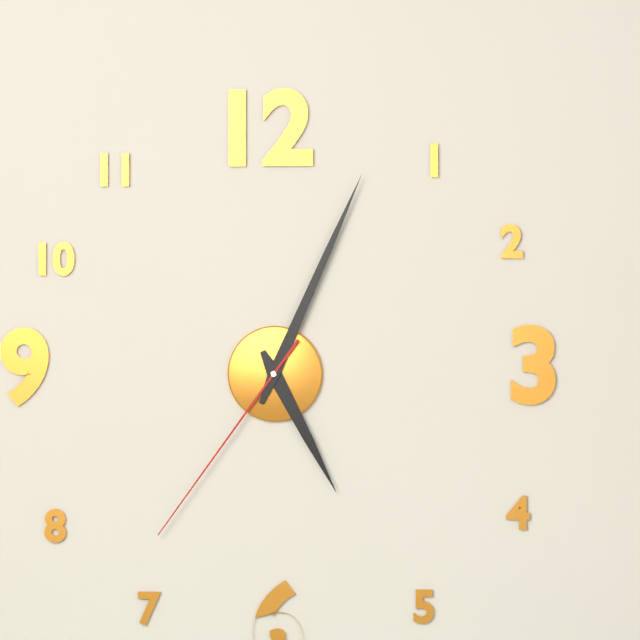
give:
5.04.36
